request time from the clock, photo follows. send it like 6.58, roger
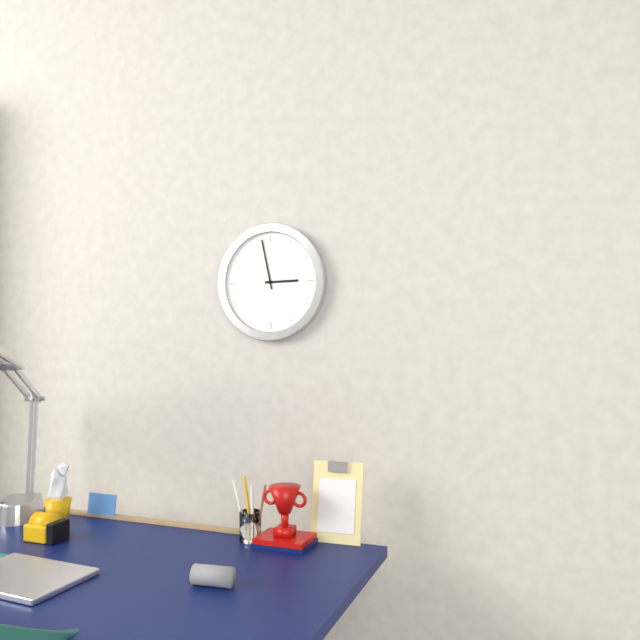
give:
2.58
